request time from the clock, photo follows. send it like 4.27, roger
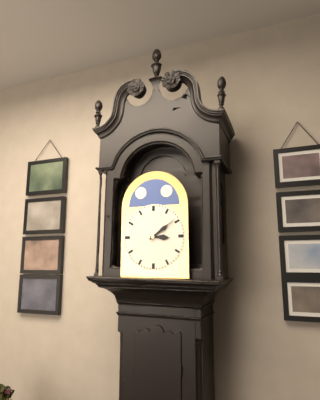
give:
3.09
